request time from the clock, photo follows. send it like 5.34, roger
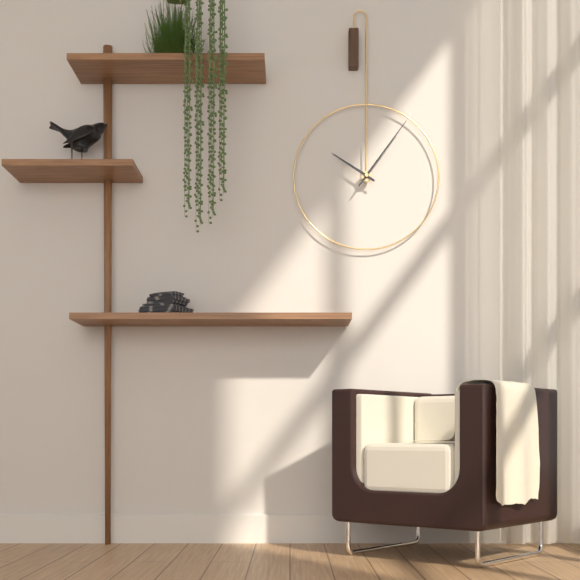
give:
10.06
